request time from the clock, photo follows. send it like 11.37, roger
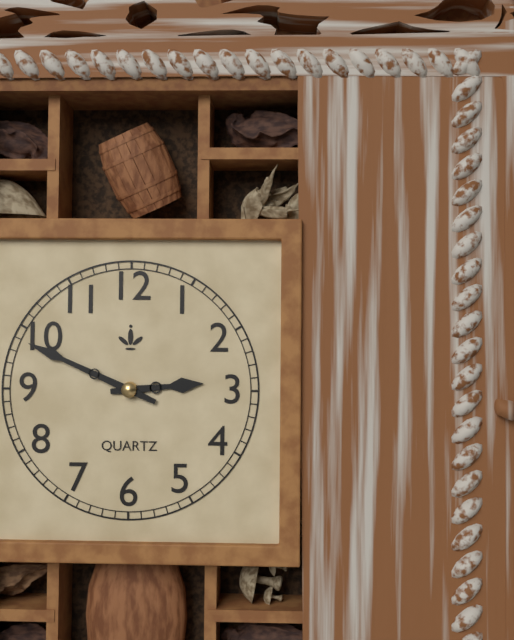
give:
2.49
